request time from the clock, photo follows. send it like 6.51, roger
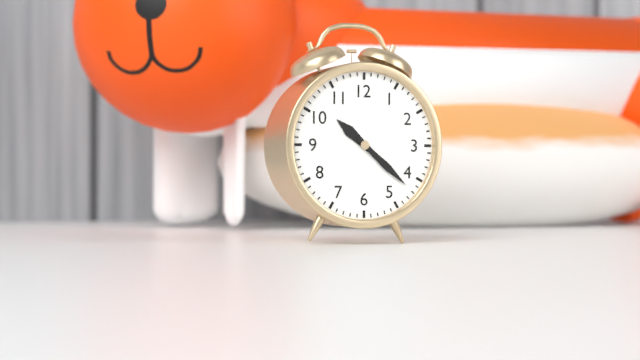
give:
10.22
